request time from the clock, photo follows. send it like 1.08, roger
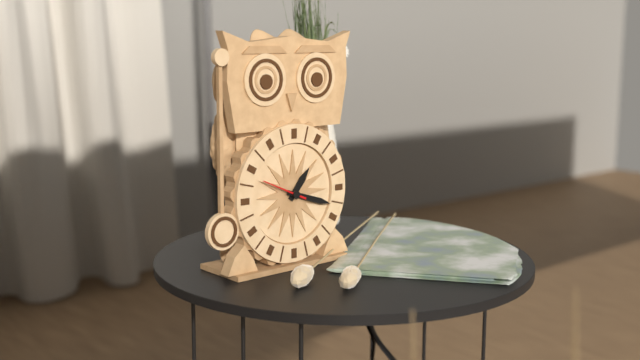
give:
1.18
